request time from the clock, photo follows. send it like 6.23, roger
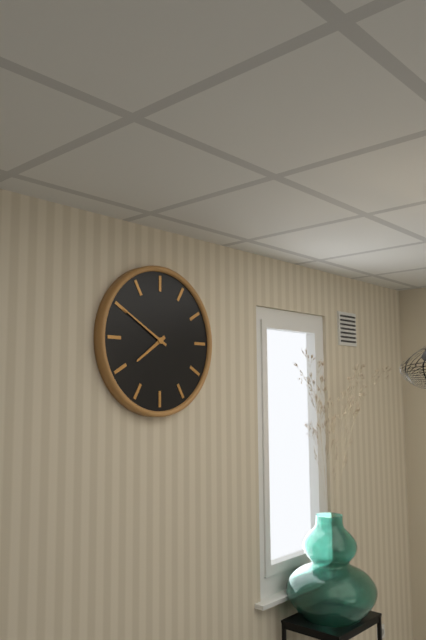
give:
7.50
